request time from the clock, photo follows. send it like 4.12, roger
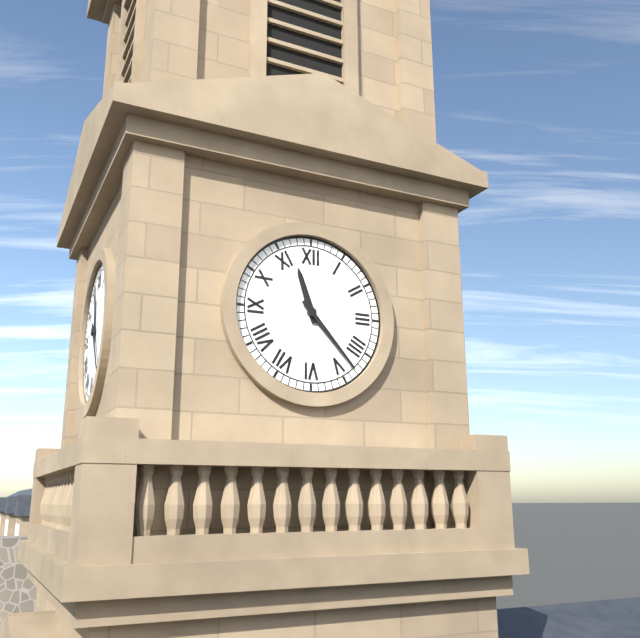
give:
11.23
